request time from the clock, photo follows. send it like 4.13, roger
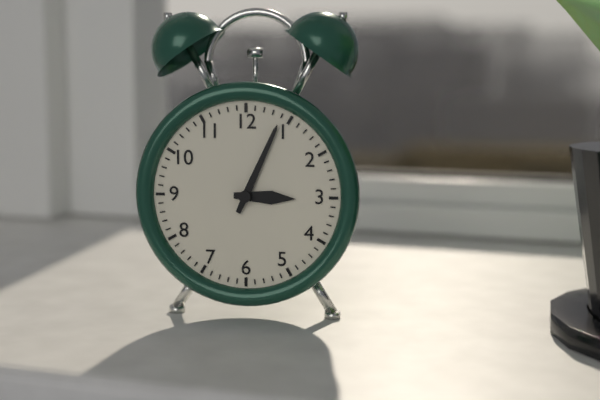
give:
3.04
